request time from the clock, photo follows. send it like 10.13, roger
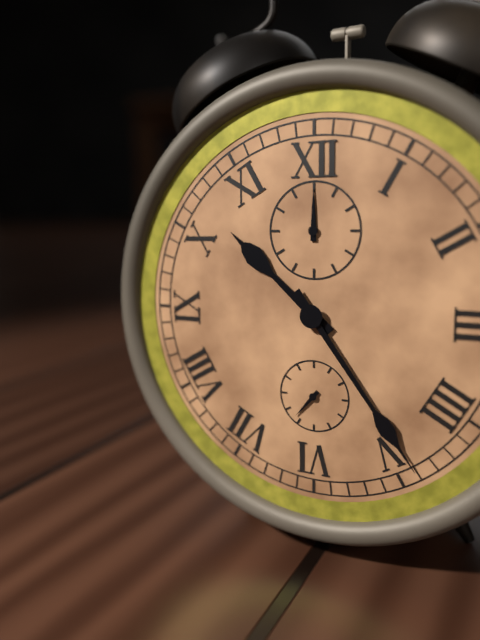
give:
10.24
